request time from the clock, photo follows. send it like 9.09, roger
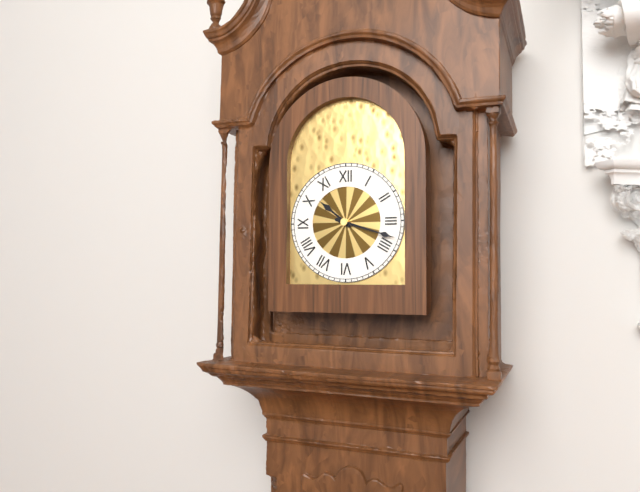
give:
10.18
